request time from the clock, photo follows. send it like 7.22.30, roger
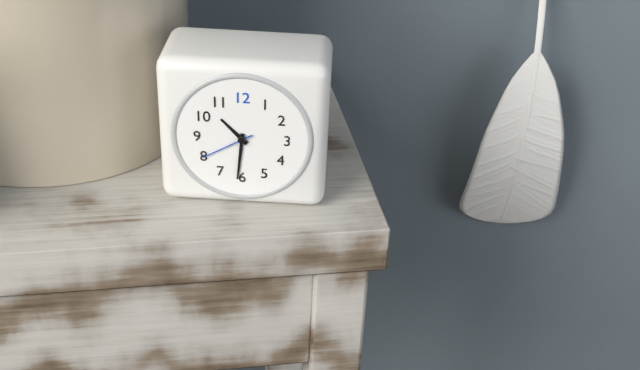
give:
10.31.40
